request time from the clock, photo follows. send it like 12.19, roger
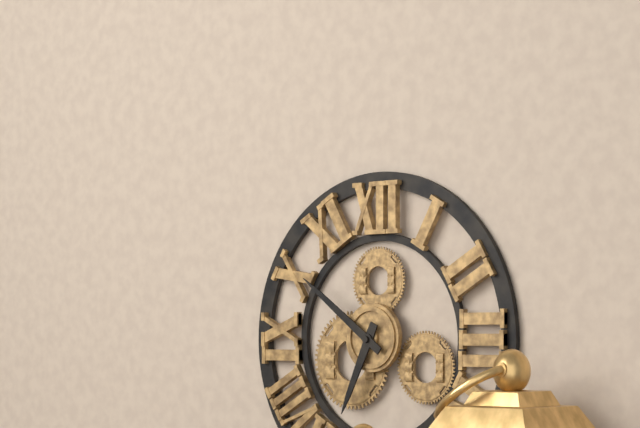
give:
6.51
